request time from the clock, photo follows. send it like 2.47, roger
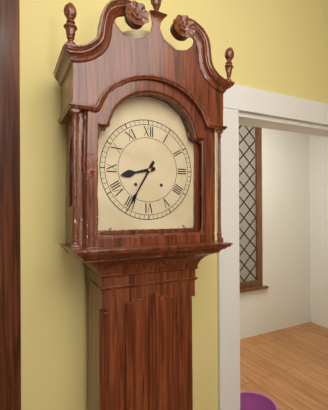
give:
8.35
